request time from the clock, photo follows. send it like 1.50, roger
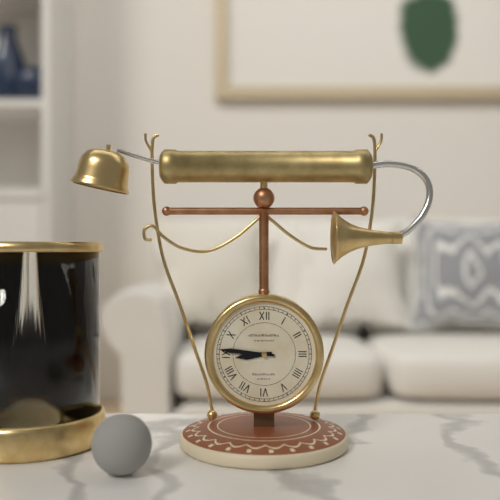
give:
8.46
